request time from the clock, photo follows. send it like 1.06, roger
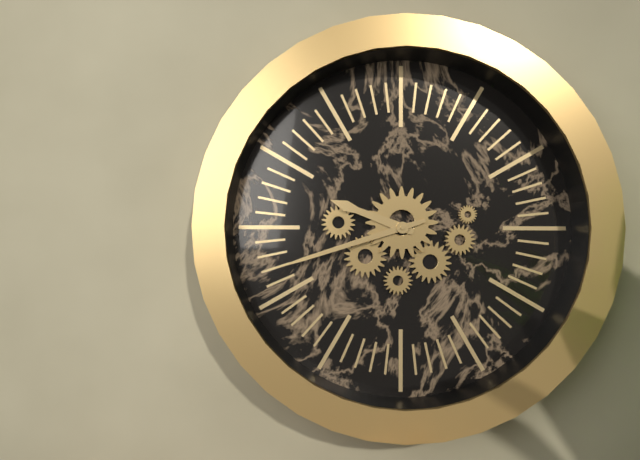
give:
9.42
